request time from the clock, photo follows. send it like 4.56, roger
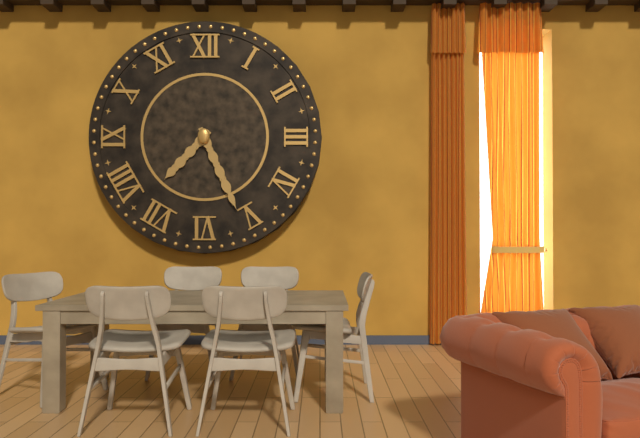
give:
7.26
